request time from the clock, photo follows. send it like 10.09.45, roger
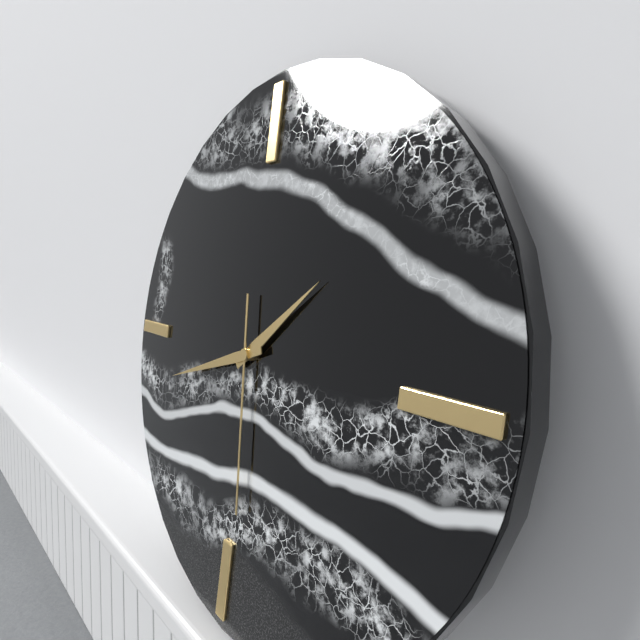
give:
1.42.29
